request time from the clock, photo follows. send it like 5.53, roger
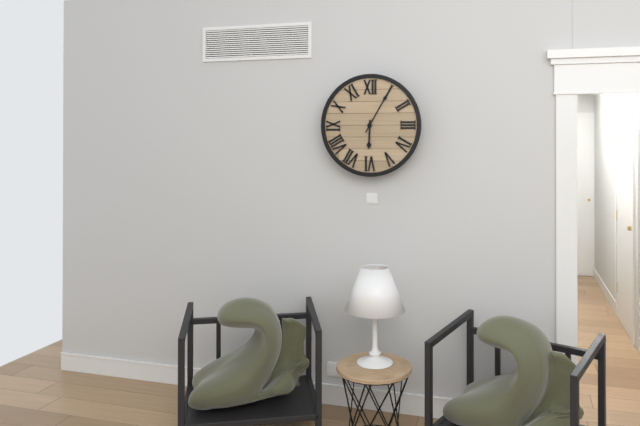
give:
6.05
